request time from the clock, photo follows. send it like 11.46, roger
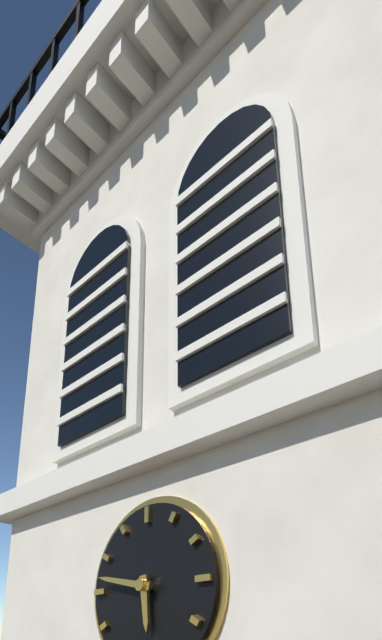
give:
5.47
